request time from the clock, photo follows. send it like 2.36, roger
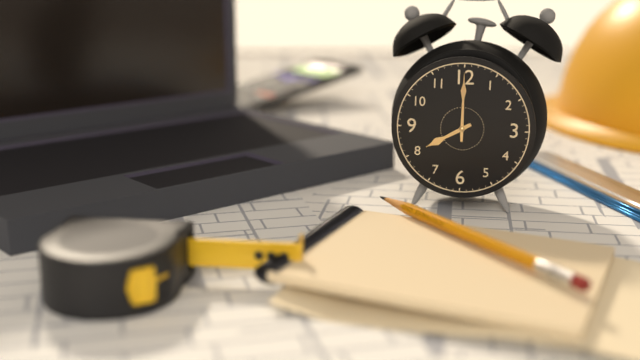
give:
8.00
